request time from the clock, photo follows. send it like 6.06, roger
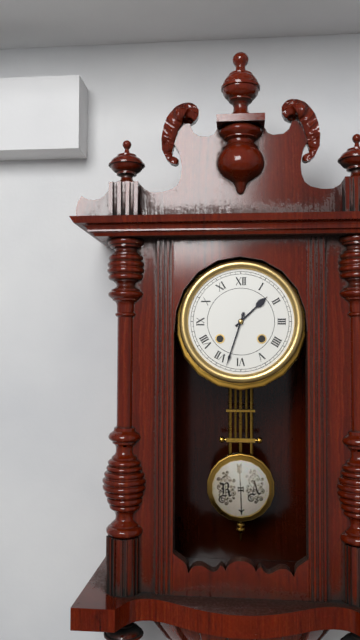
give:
1.33
